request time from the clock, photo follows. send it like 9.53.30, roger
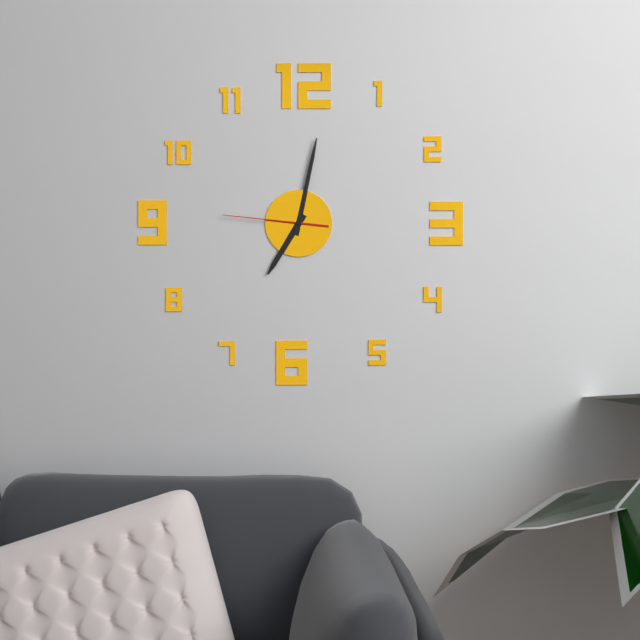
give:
7.02.46
